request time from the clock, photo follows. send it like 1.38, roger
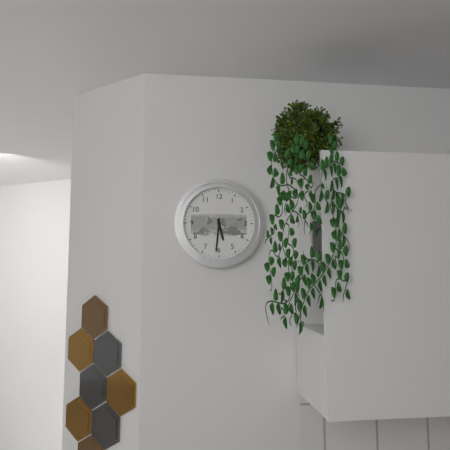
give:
5.31
